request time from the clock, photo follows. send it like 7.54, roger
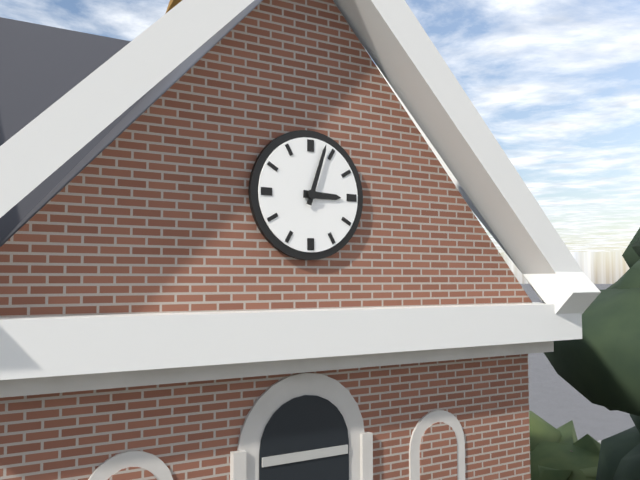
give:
3.03
